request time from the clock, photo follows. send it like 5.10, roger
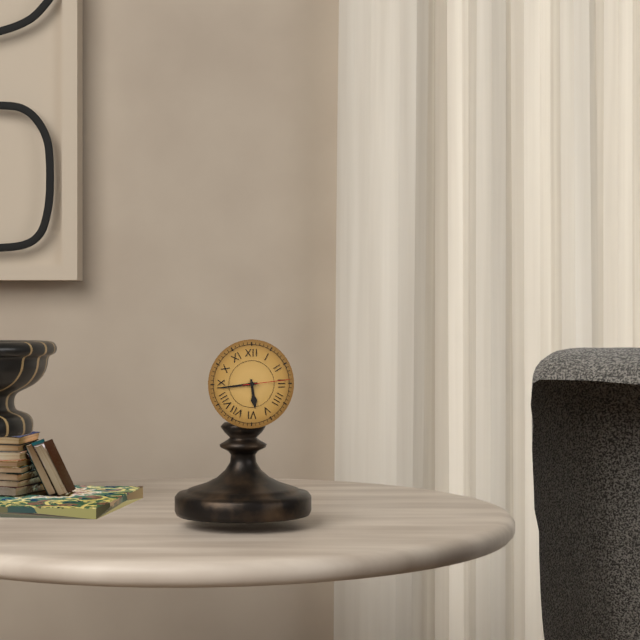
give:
5.44
